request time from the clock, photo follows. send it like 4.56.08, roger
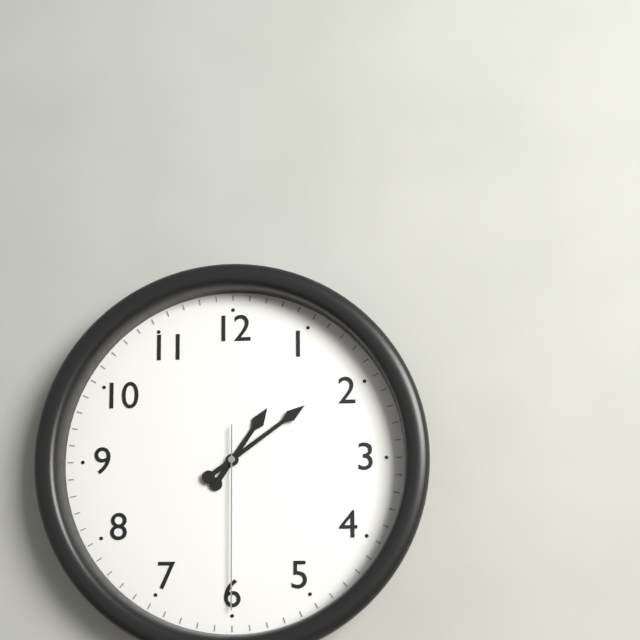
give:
1.09.30
